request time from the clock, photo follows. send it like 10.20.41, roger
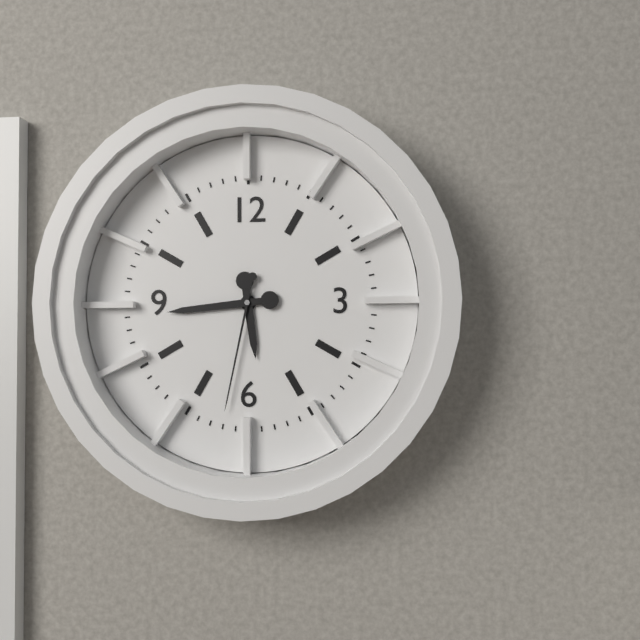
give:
5.44.32
